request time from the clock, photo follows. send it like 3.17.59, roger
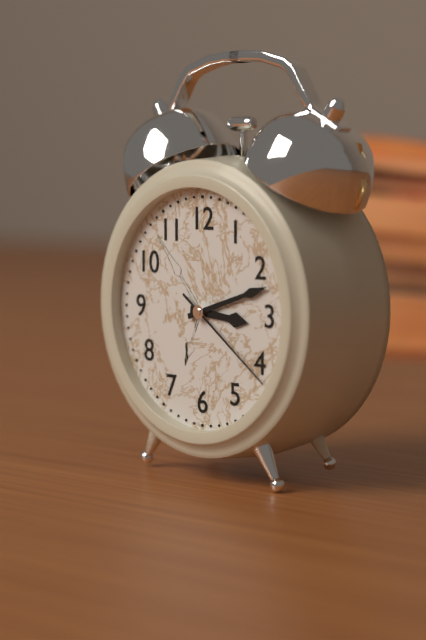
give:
3.12.21
